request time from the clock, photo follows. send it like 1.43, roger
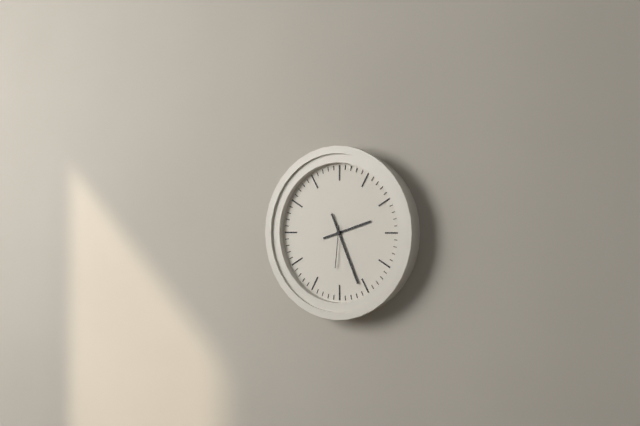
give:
2.26
